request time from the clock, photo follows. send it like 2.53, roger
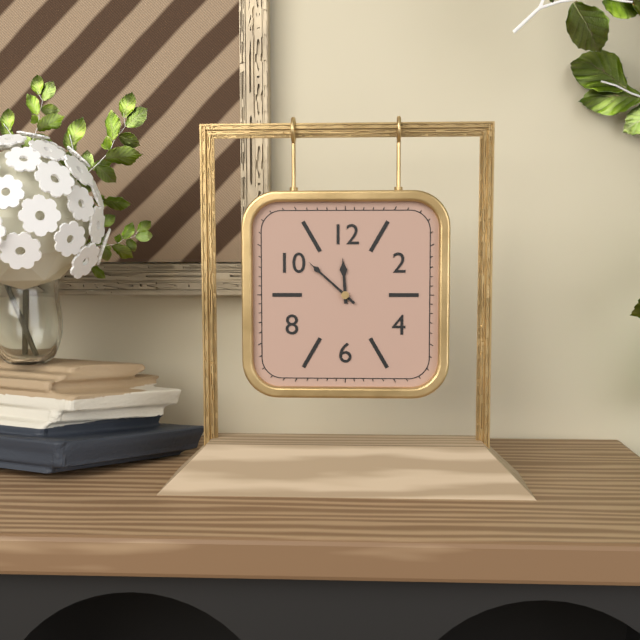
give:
11.52
